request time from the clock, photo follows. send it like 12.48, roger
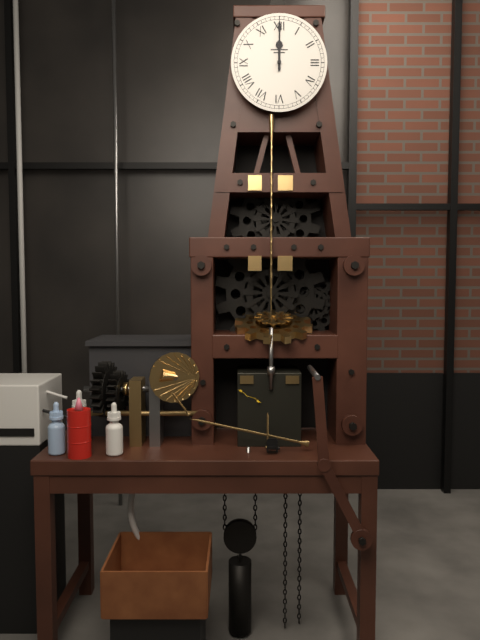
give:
12.00
